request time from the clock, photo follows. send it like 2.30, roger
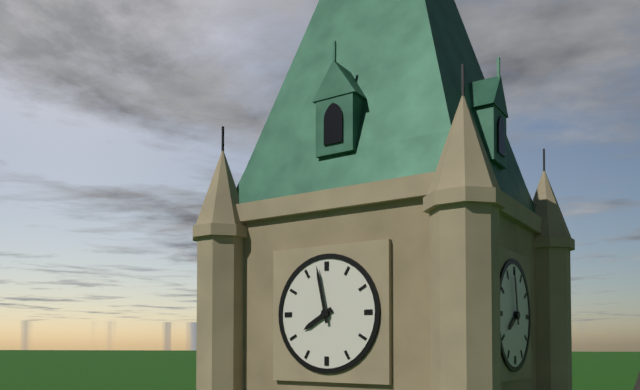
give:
7.58
